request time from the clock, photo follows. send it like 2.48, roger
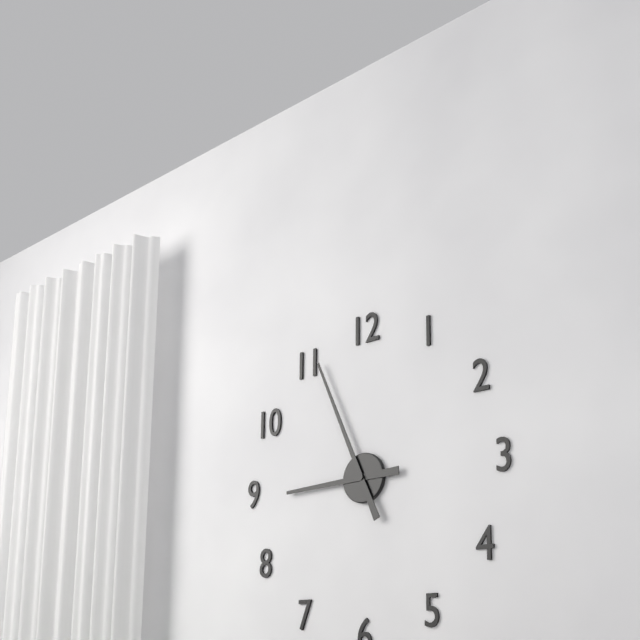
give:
8.56
